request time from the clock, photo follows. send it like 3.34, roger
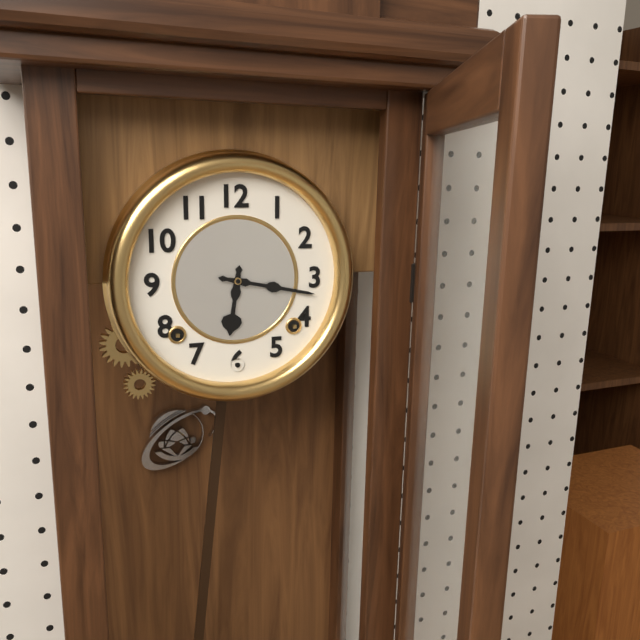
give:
6.17
